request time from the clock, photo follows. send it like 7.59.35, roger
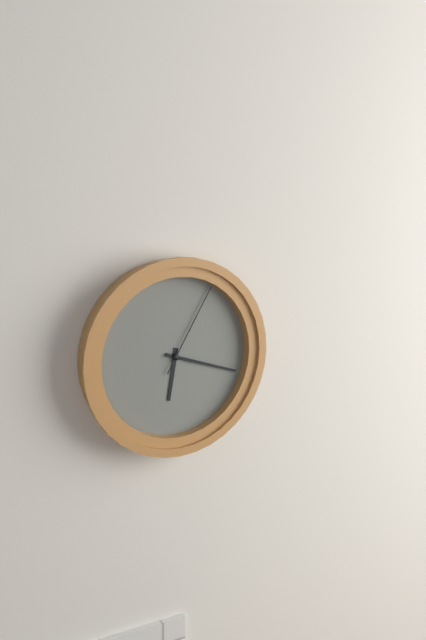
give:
6.18.05
